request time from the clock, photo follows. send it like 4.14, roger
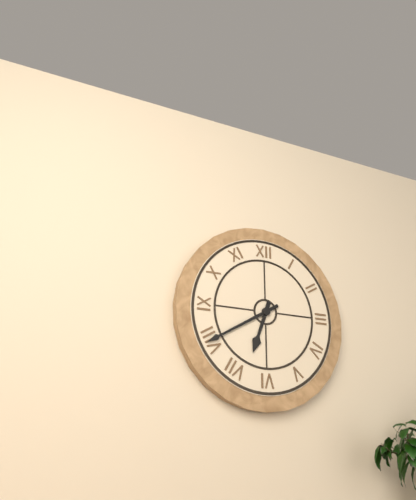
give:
6.40
